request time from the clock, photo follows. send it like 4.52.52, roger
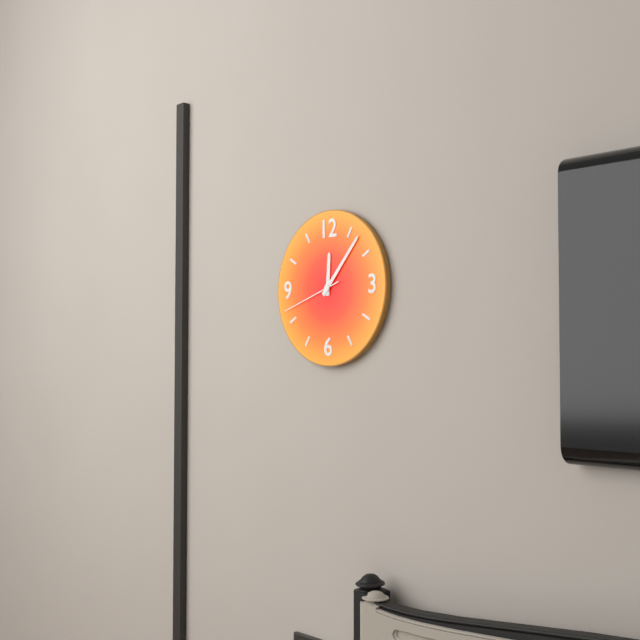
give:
12.07.42
